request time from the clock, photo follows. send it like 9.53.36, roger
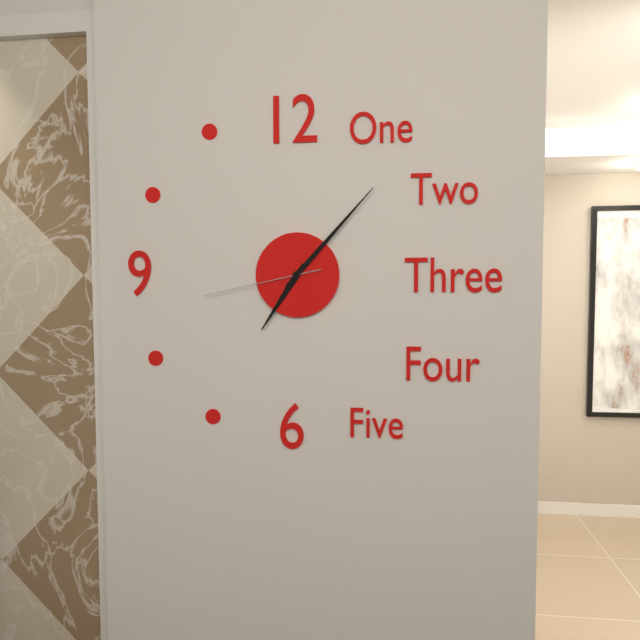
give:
7.07.43
